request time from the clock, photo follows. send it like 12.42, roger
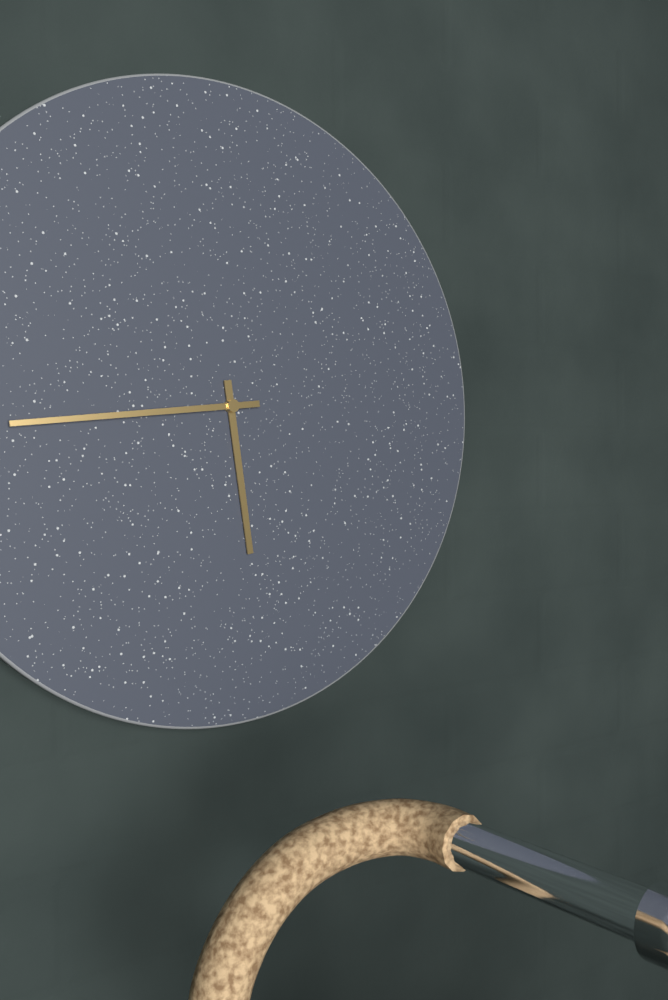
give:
5.44
